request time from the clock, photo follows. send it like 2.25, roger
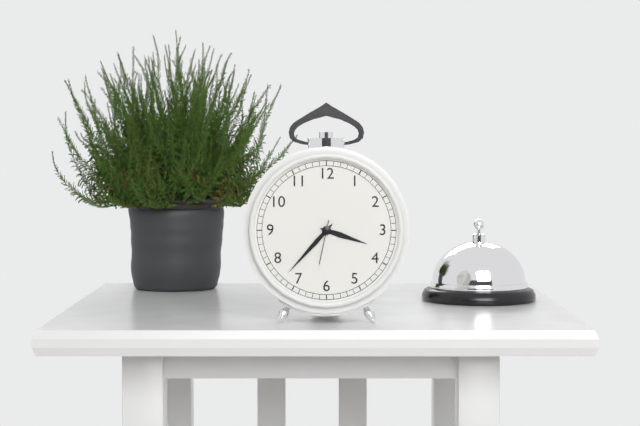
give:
3.37
